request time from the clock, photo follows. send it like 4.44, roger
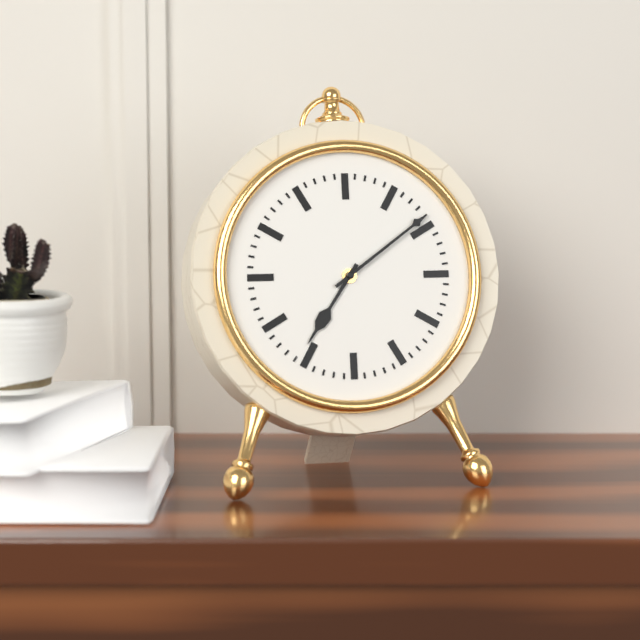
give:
7.09
